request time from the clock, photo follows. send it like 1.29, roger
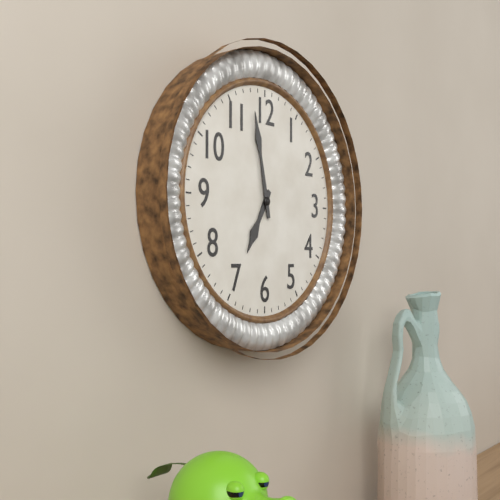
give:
6.58
